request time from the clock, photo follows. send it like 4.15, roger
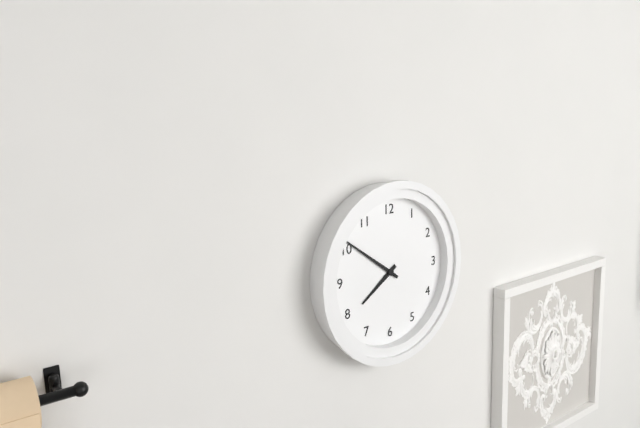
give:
7.51
